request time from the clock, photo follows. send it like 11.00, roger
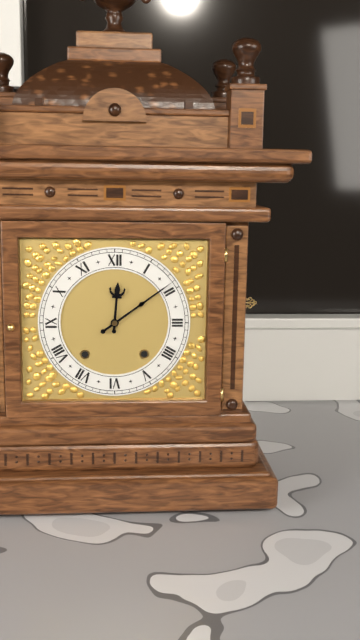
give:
12.09
